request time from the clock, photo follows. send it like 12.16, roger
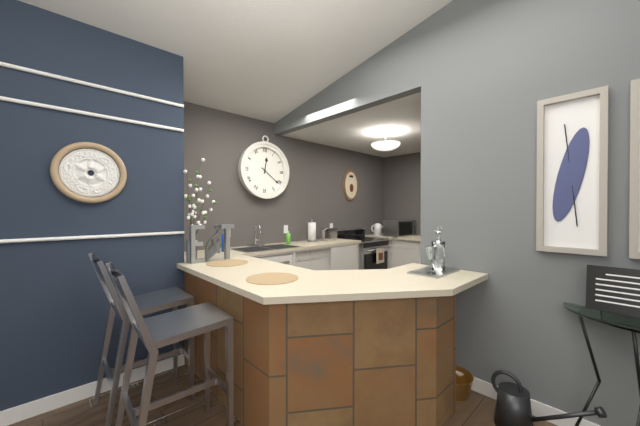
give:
12.21
